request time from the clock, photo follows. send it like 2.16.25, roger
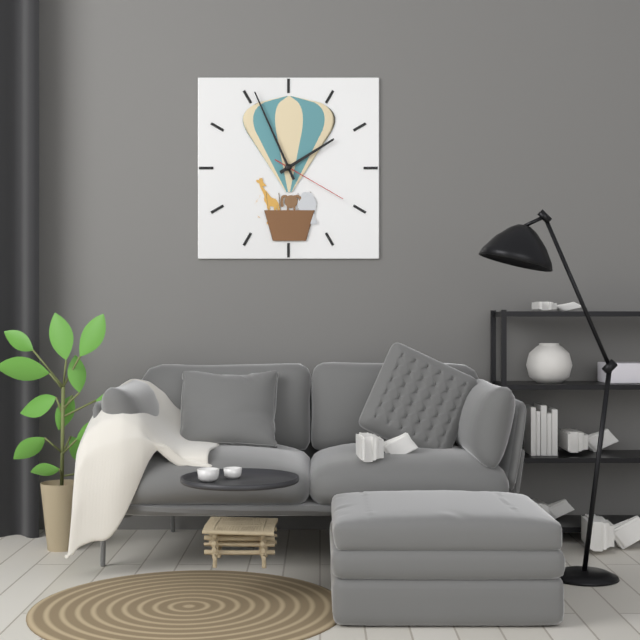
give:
1.56.20
